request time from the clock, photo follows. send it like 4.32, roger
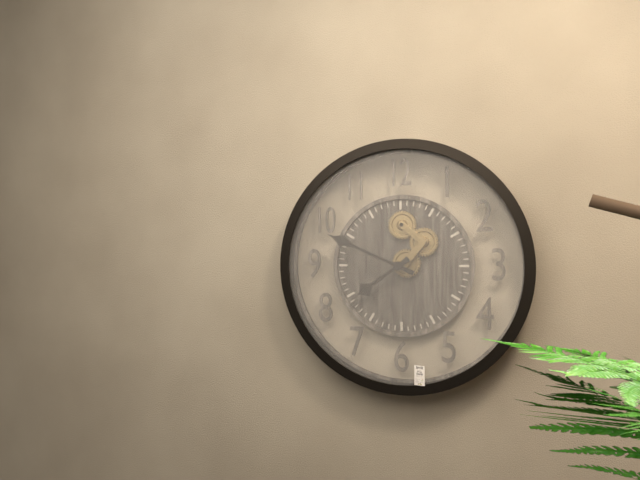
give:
7.49
